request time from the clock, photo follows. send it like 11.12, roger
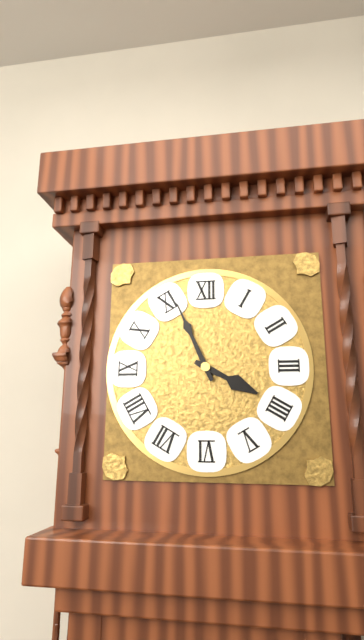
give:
3.56
